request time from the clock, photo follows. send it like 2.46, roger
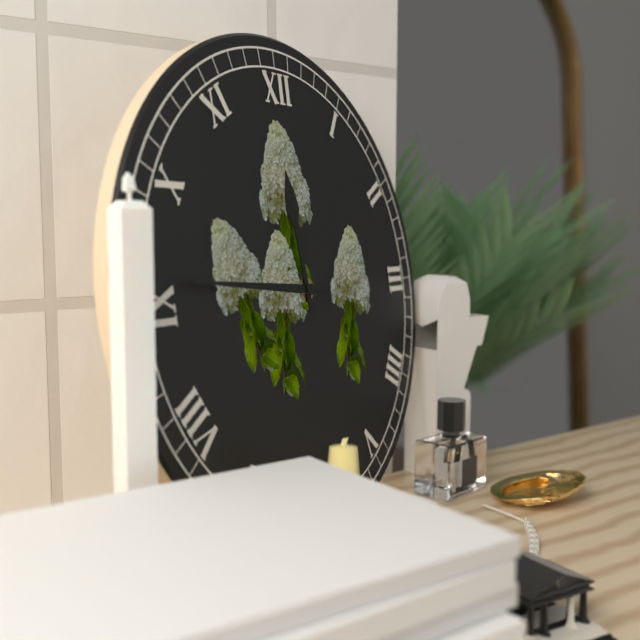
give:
11.46
